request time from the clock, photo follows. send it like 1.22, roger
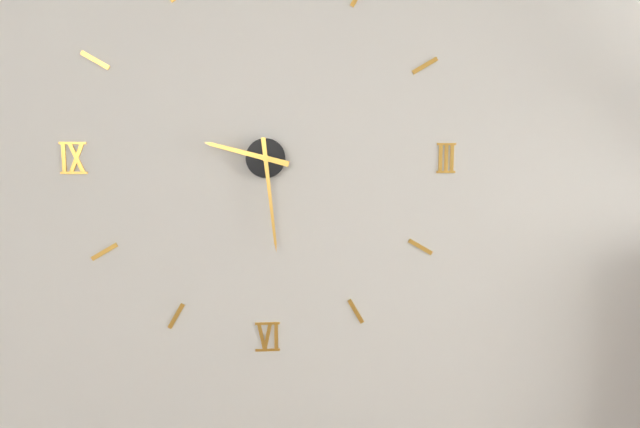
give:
9.29
